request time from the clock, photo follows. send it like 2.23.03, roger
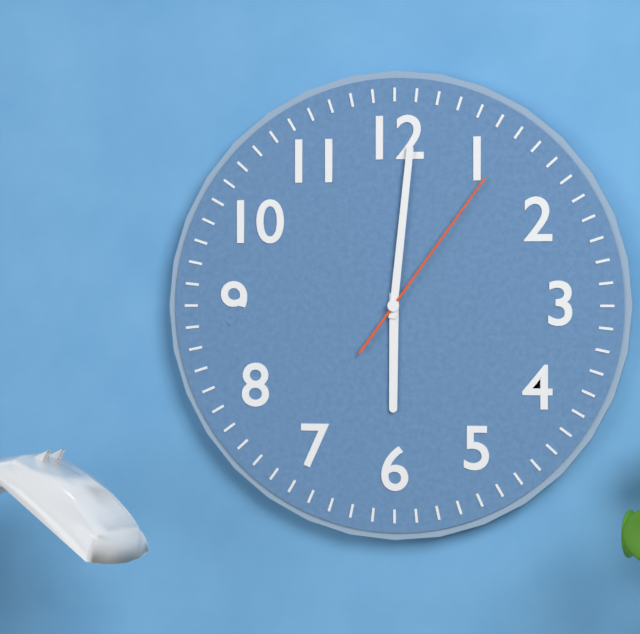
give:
6.01.06
